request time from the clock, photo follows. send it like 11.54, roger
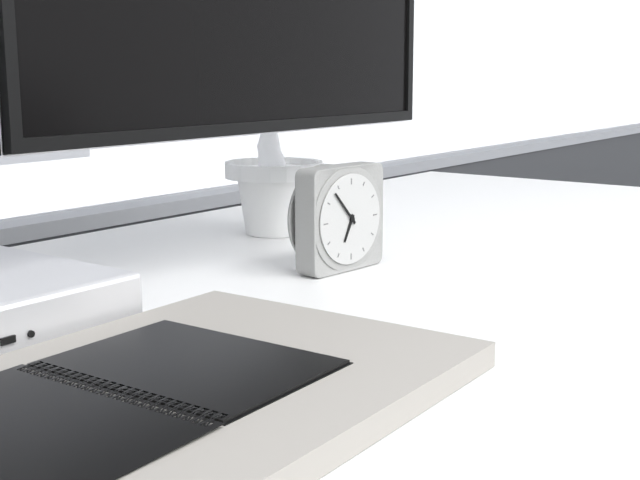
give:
6.53
